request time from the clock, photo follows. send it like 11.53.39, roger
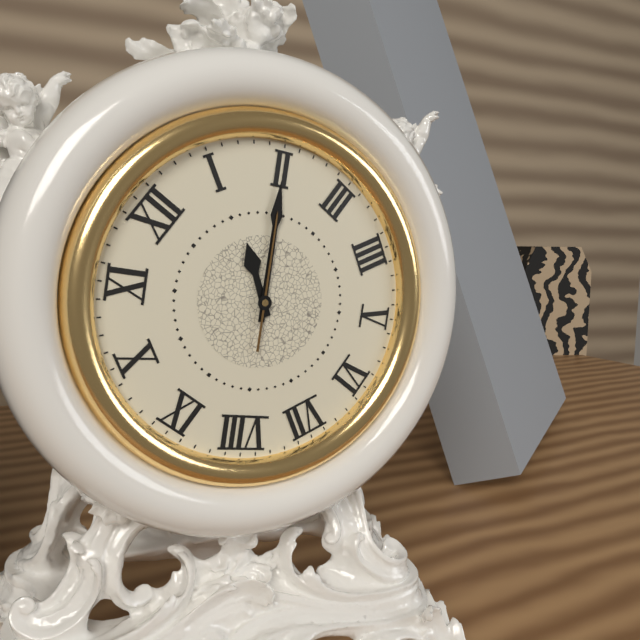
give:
1.10.10
